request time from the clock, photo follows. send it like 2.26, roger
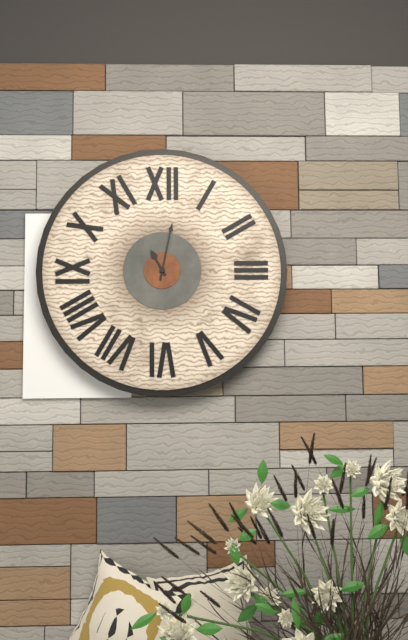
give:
11.02
